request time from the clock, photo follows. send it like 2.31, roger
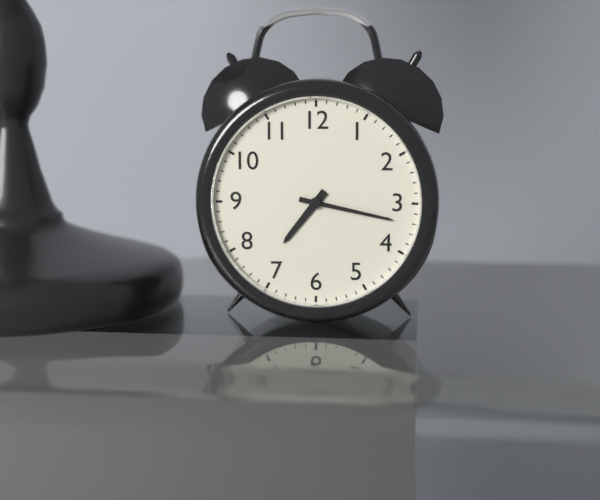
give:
7.17
